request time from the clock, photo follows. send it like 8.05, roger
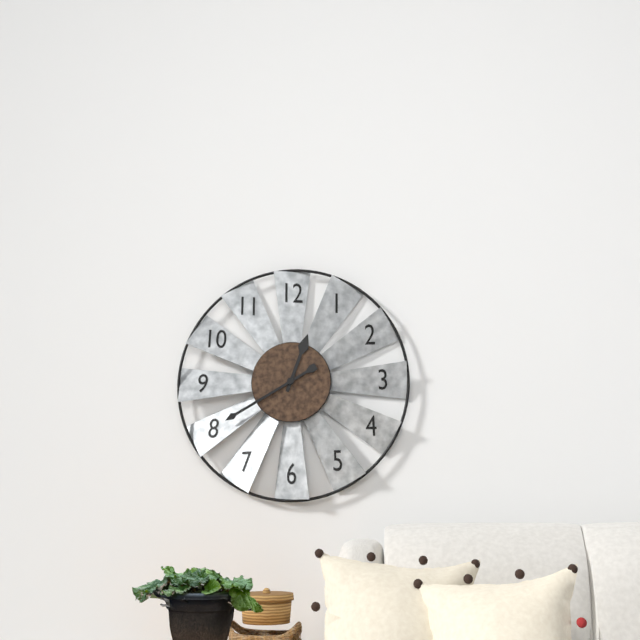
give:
12.40
